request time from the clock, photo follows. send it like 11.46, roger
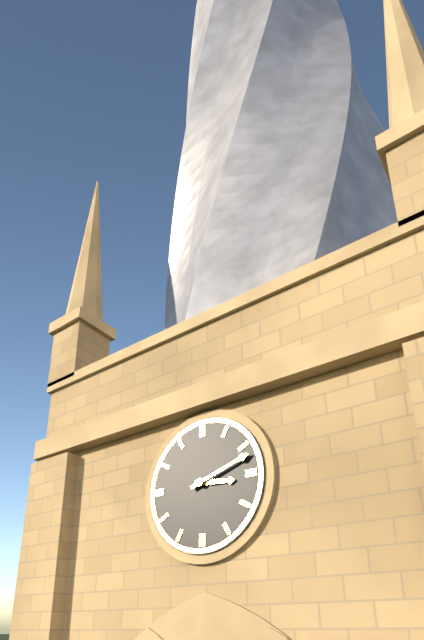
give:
3.12
